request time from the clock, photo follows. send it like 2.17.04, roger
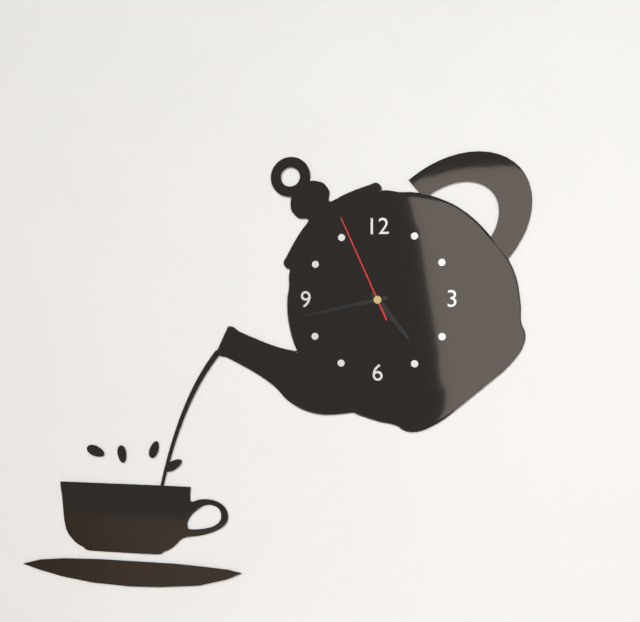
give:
4.43.56
